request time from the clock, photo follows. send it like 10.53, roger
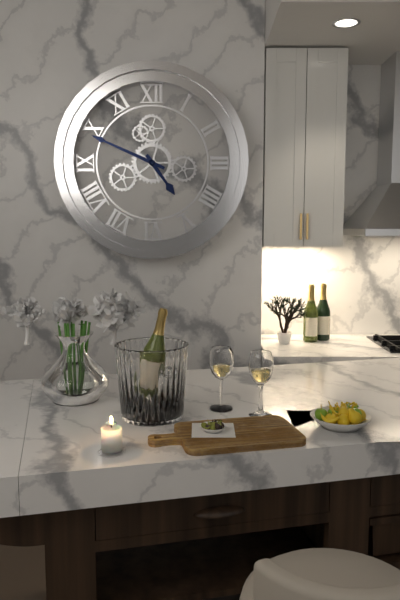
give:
4.49
